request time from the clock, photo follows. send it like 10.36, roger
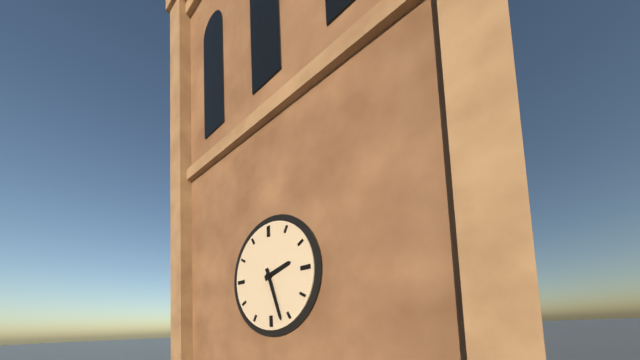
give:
2.27
